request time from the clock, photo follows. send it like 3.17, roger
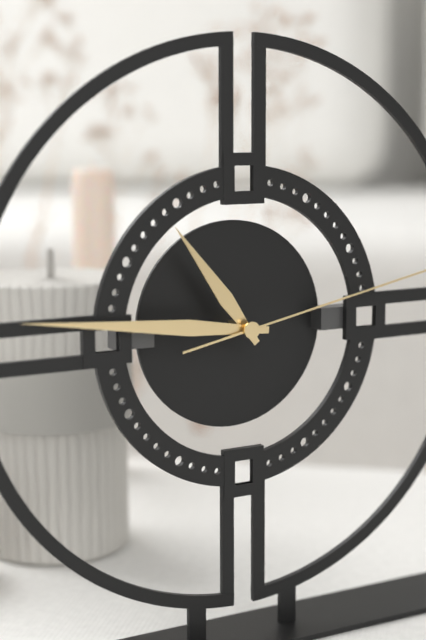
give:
10.46
